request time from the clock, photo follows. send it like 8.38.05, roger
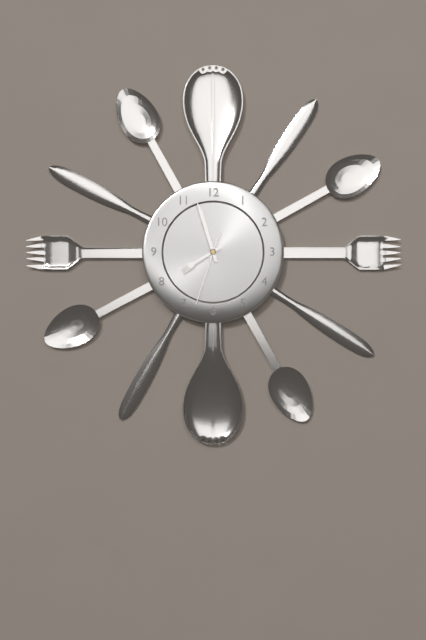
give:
7.57.33
